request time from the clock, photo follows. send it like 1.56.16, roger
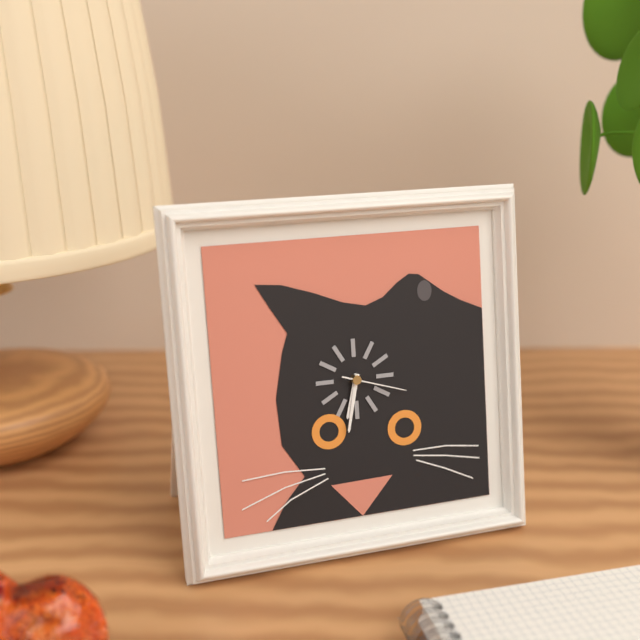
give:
6.32.18
